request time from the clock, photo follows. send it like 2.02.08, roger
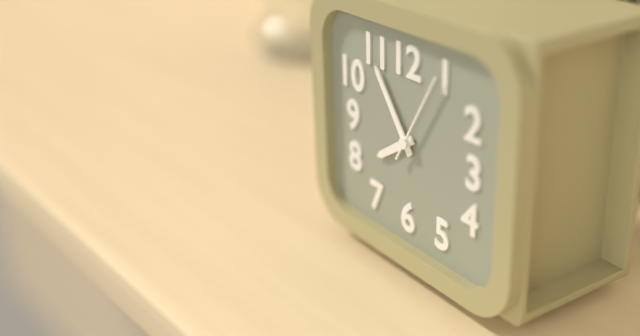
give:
7.54.05
